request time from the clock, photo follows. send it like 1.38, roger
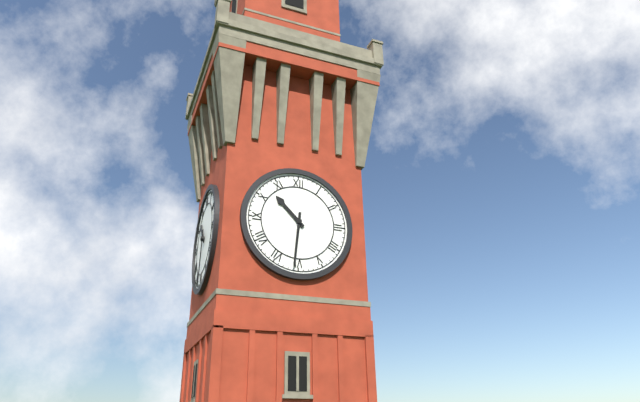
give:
10.31
